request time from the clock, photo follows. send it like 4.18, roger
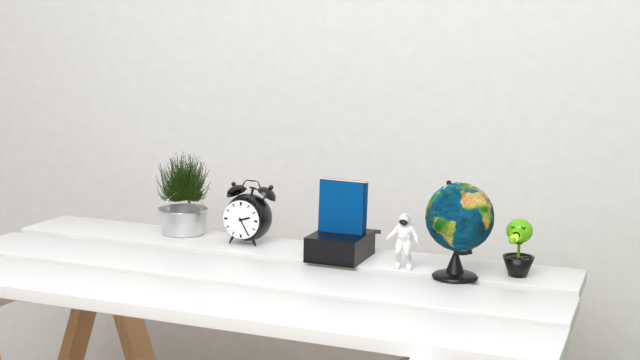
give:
2.25
